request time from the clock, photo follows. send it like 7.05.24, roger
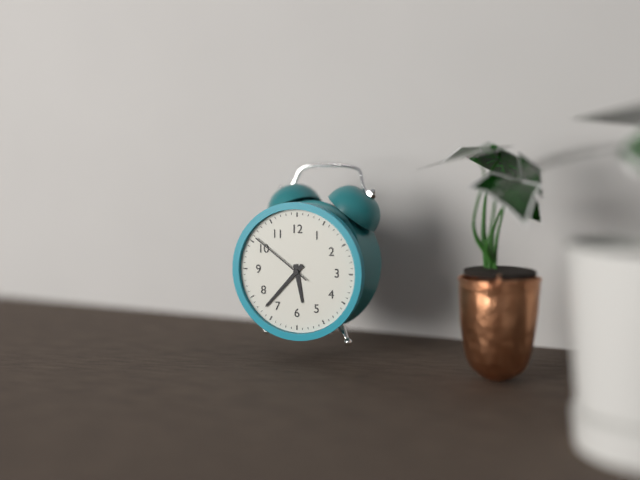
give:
5.37.51
